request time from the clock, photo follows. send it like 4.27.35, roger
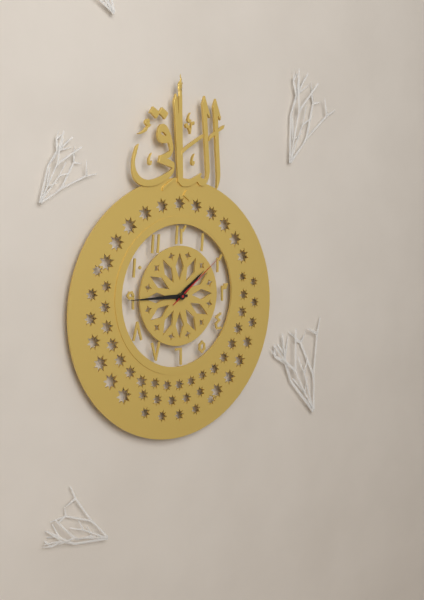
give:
1.45.09
